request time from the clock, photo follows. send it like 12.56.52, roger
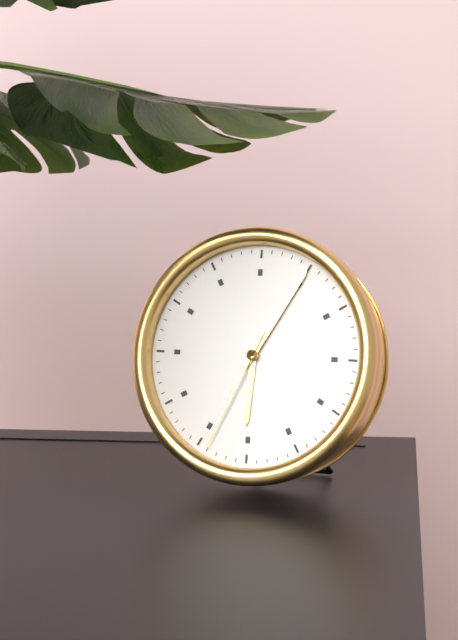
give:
6.05.34
